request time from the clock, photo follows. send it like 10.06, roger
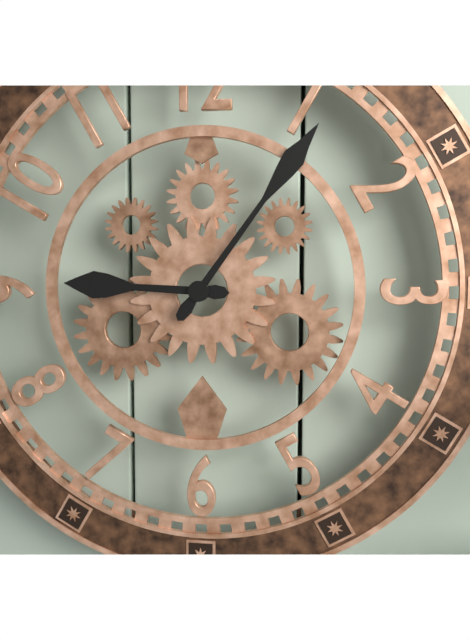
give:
9.06
